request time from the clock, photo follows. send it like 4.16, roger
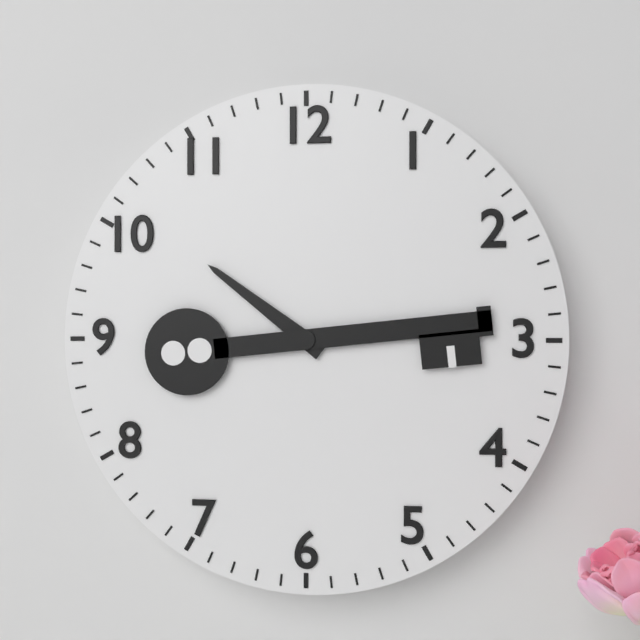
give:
10.14
